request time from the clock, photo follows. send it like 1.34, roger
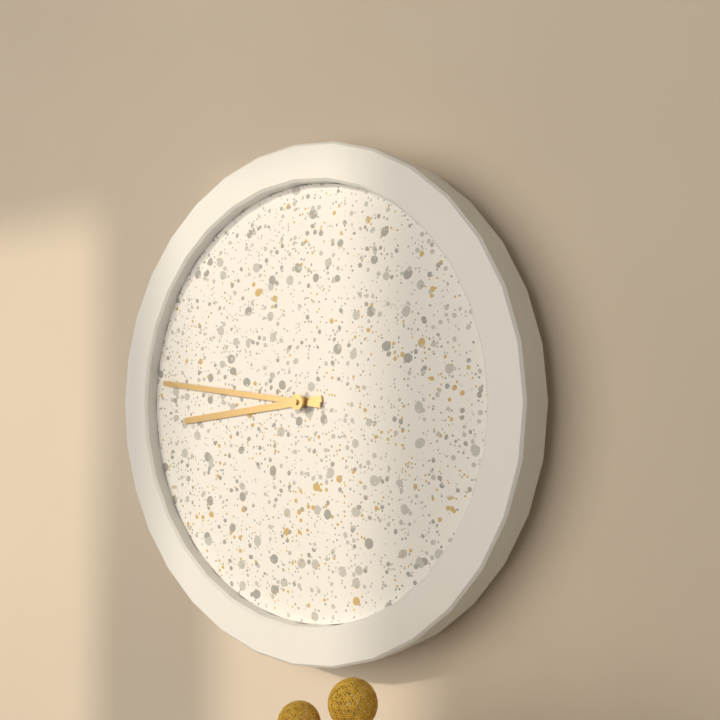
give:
8.46
